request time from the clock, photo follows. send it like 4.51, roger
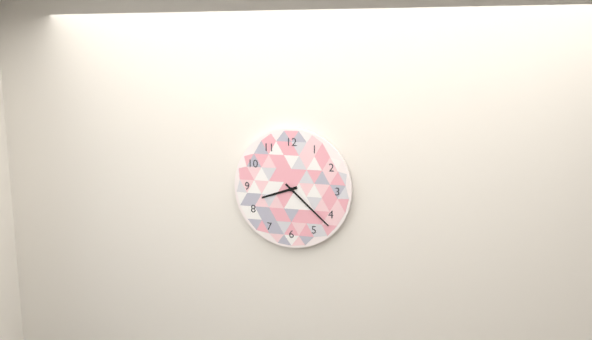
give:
8.22
